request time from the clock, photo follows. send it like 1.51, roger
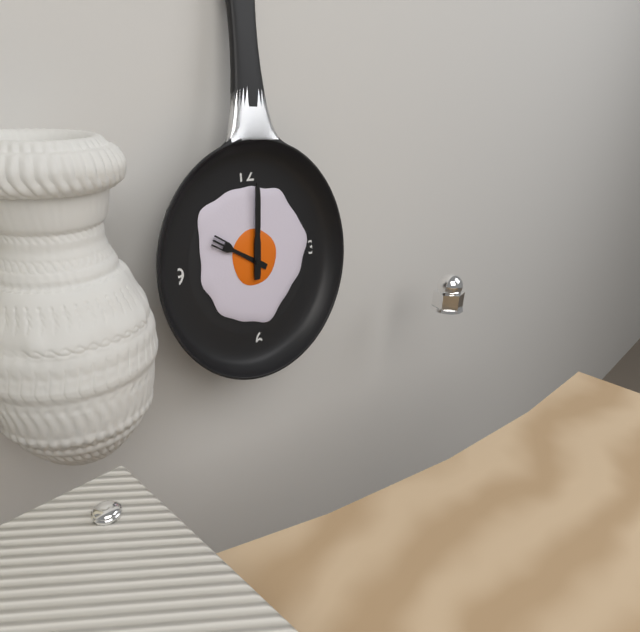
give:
10.01
